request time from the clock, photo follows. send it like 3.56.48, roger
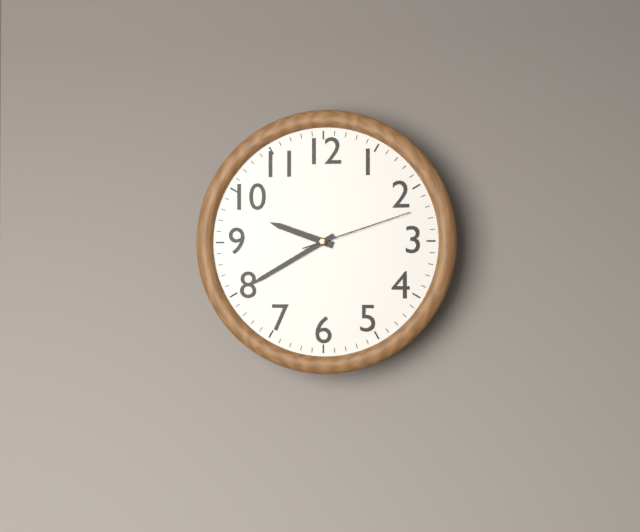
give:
9.40.12
